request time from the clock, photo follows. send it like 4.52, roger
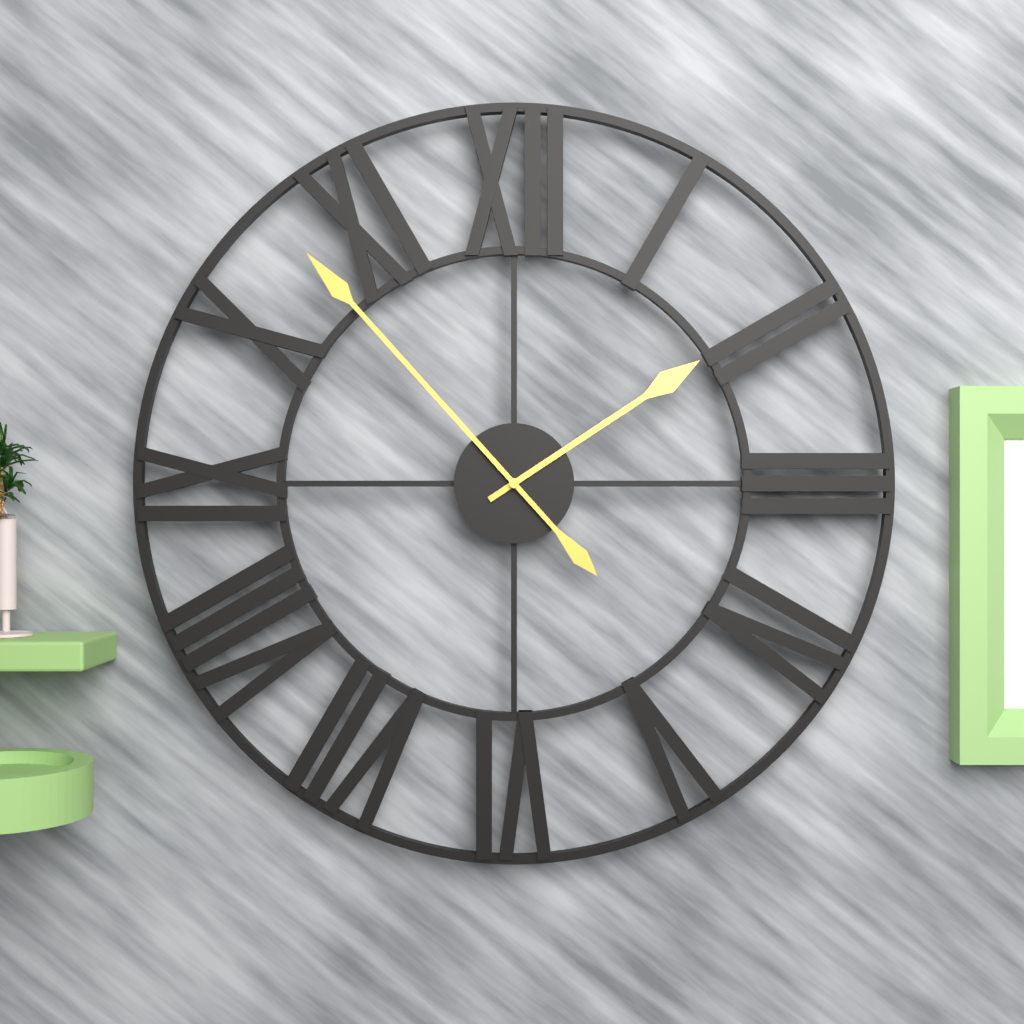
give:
1.53
